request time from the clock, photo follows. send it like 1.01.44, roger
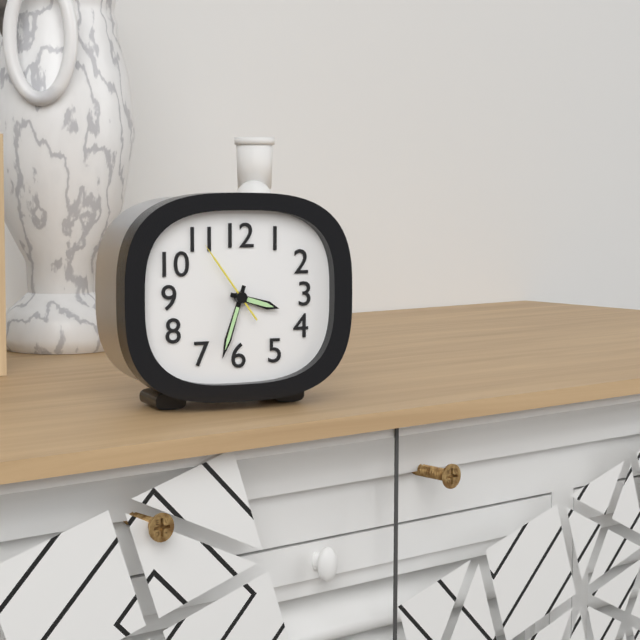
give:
3.33.54
